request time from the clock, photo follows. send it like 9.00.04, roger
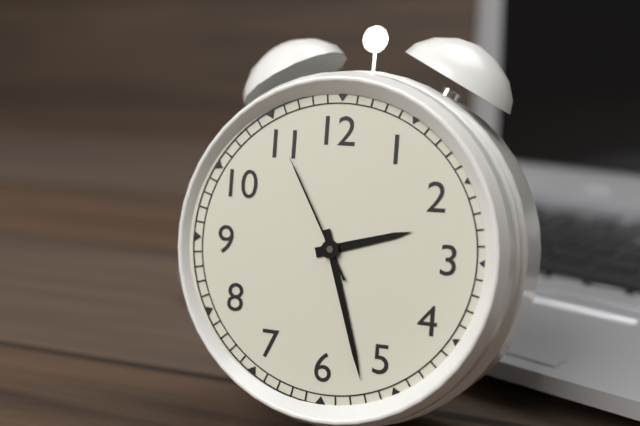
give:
2.27.55
